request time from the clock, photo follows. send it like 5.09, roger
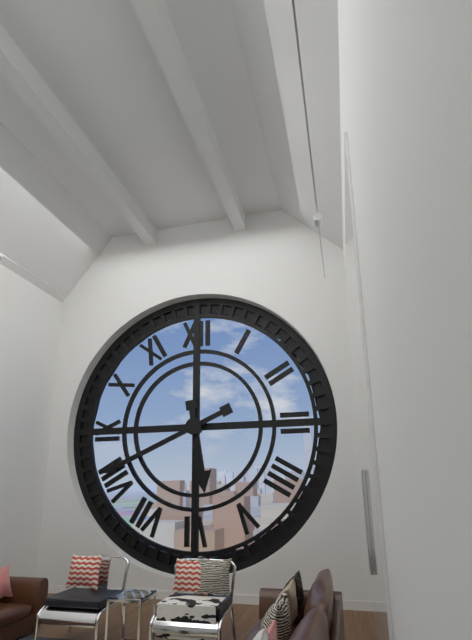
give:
5.41
